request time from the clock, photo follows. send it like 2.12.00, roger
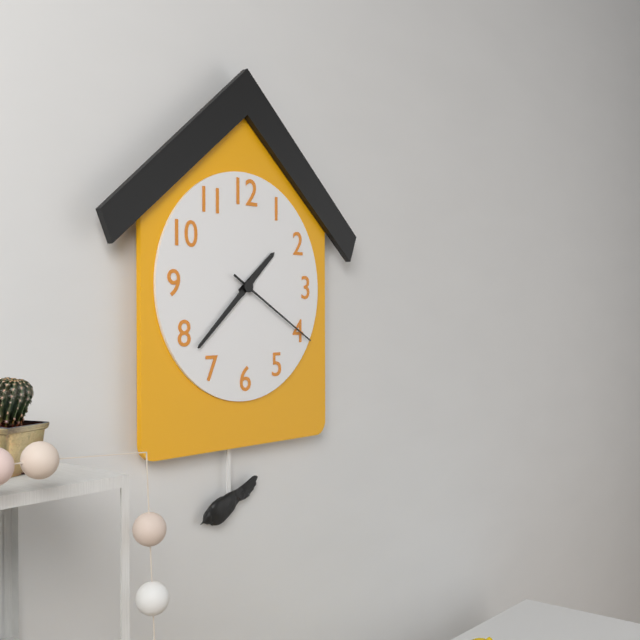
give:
1.38.20
